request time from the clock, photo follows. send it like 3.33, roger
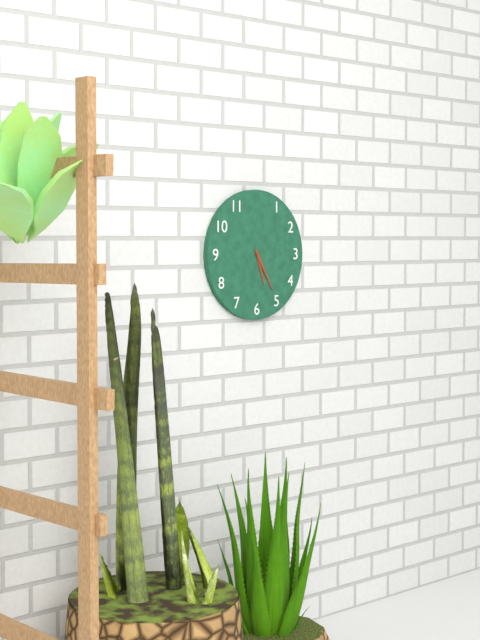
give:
5.25
